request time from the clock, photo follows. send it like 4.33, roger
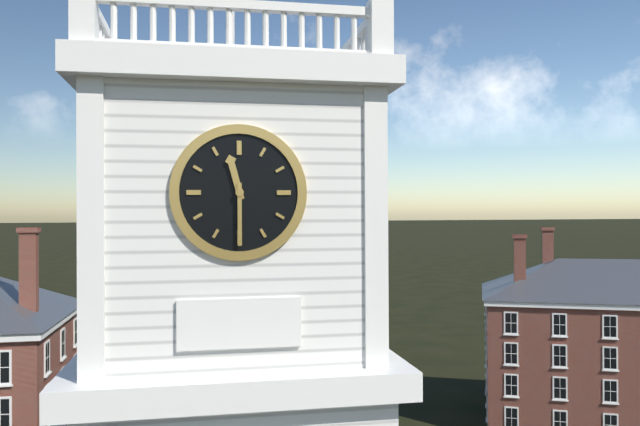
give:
11.30
